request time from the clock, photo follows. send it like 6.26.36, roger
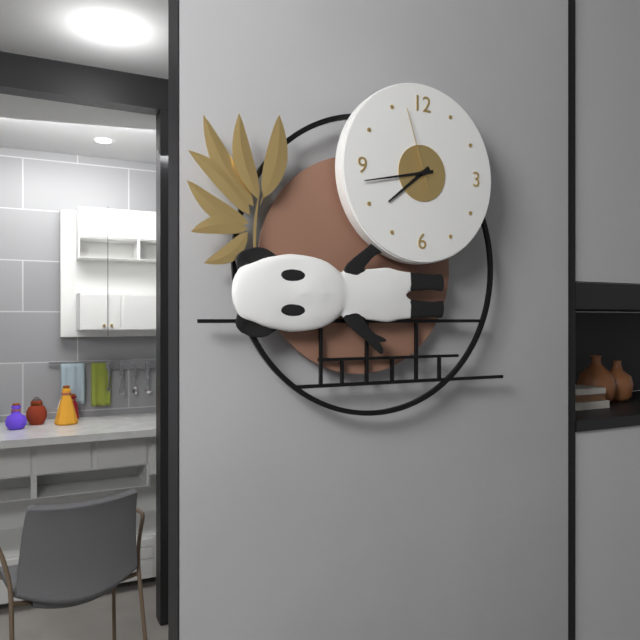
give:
7.43.57
